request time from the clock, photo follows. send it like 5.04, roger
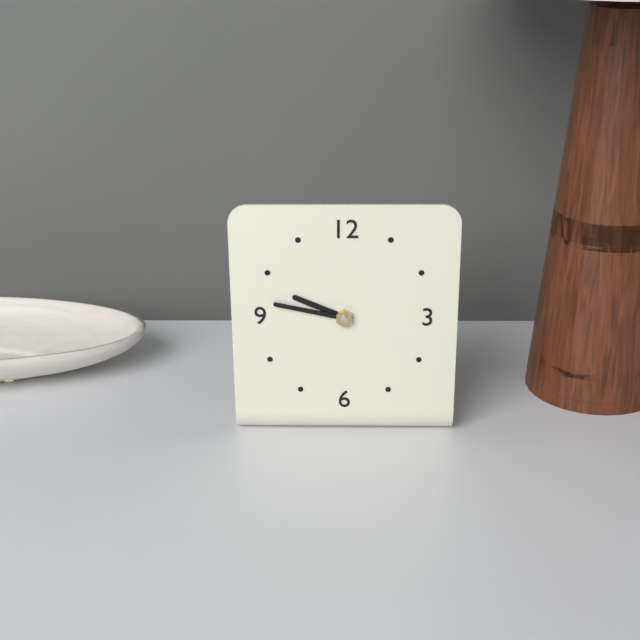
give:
9.47
